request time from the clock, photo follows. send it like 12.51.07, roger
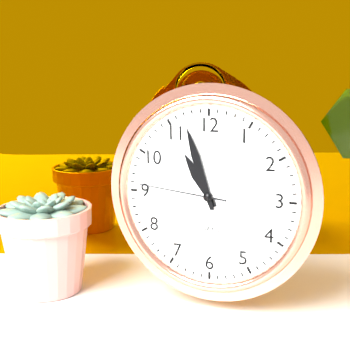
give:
10.57.46
